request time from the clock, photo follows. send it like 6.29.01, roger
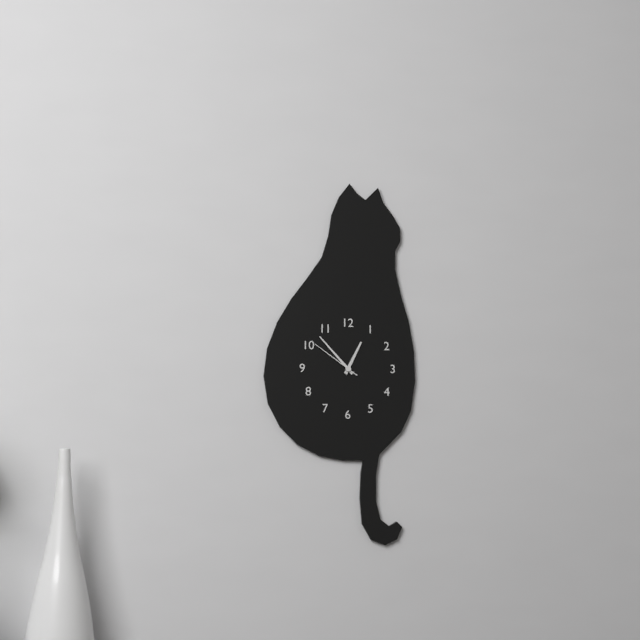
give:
12.53.51
